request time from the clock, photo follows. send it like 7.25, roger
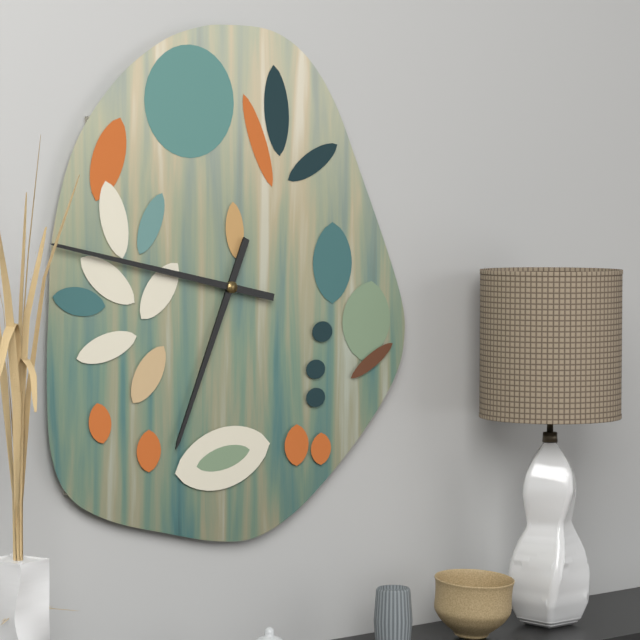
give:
6.47
